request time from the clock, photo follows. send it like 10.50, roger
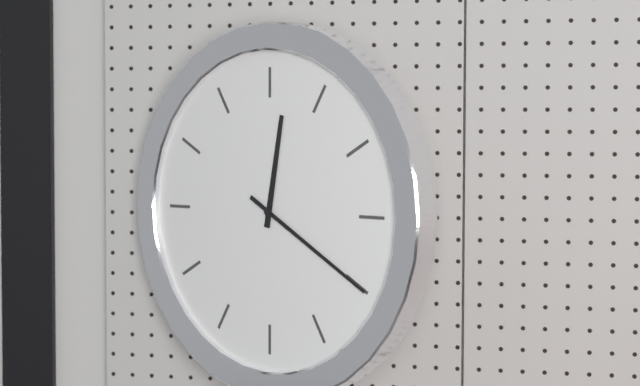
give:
12.20
